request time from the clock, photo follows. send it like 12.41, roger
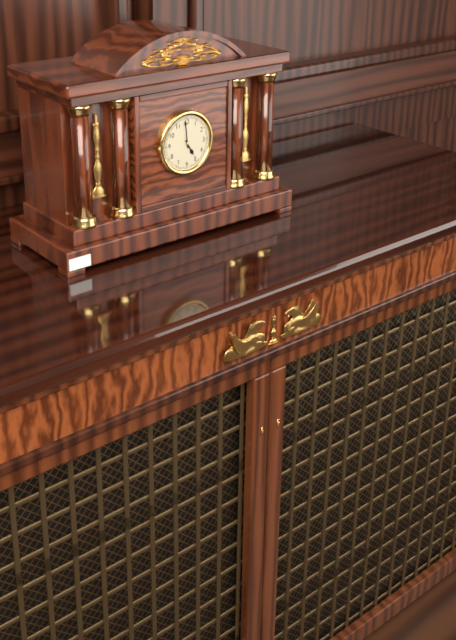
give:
4.59
